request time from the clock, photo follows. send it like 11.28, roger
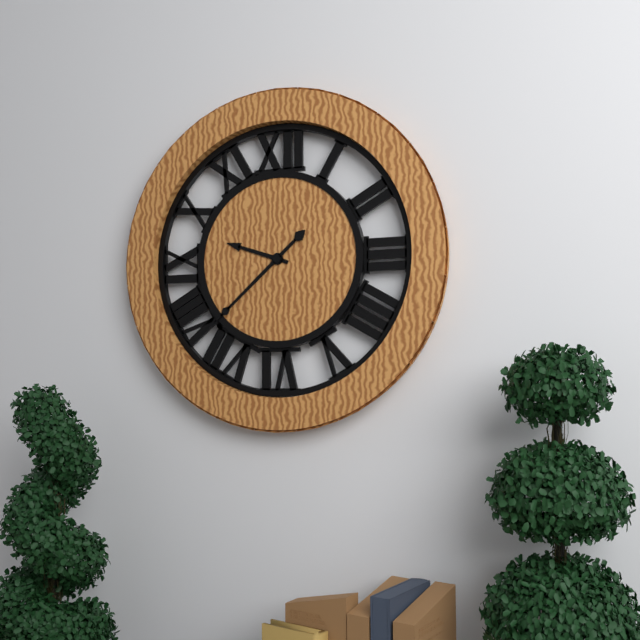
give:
9.38
